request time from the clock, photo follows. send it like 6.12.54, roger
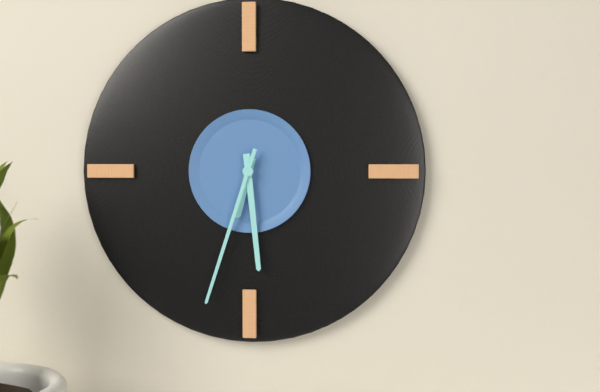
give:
6.29.33
